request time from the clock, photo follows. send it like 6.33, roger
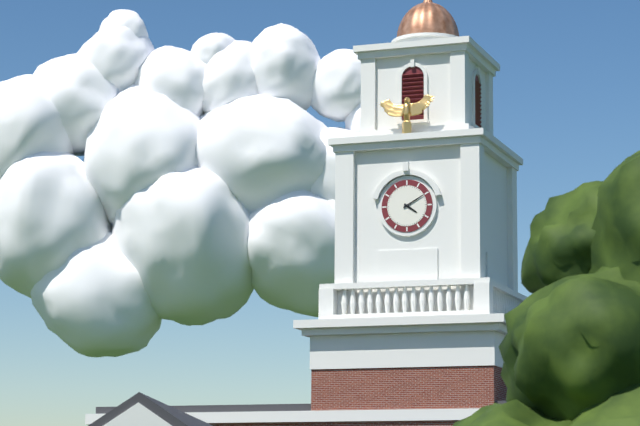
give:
4.10
